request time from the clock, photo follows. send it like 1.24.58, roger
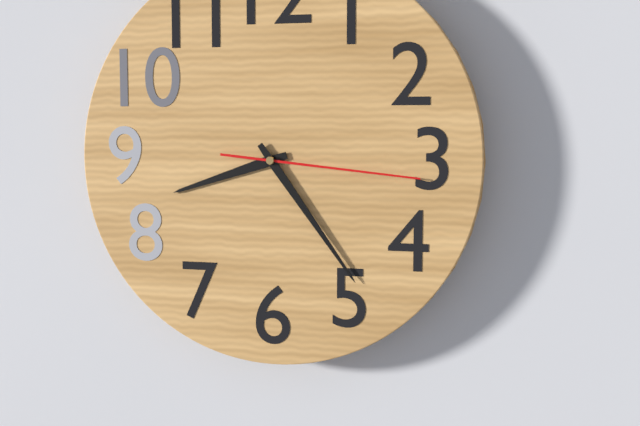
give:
8.24.16
